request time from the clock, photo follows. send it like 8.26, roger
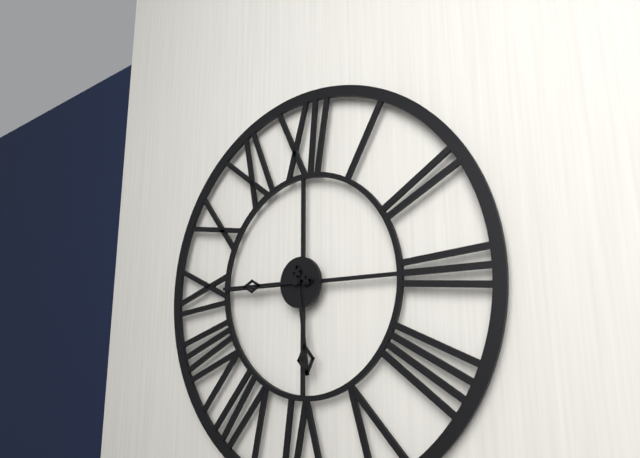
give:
5.45
